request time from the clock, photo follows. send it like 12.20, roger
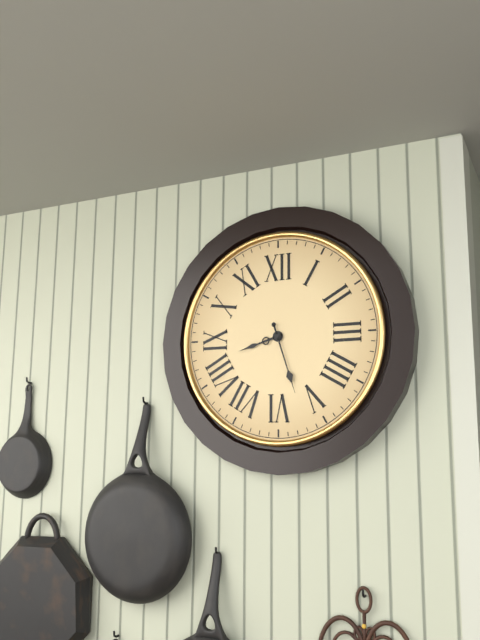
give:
8.27
